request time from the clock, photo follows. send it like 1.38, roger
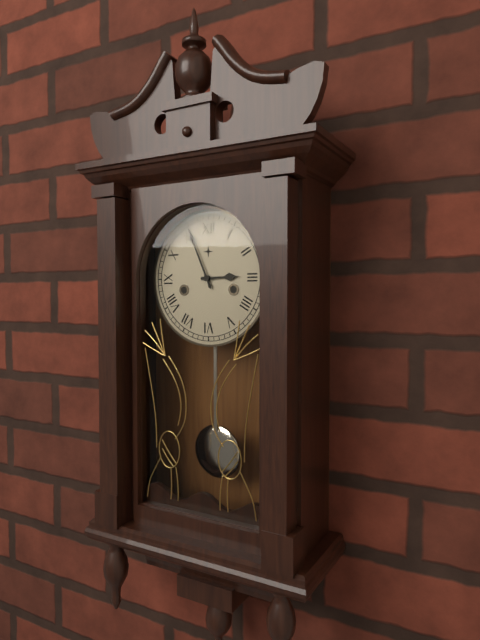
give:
2.56
